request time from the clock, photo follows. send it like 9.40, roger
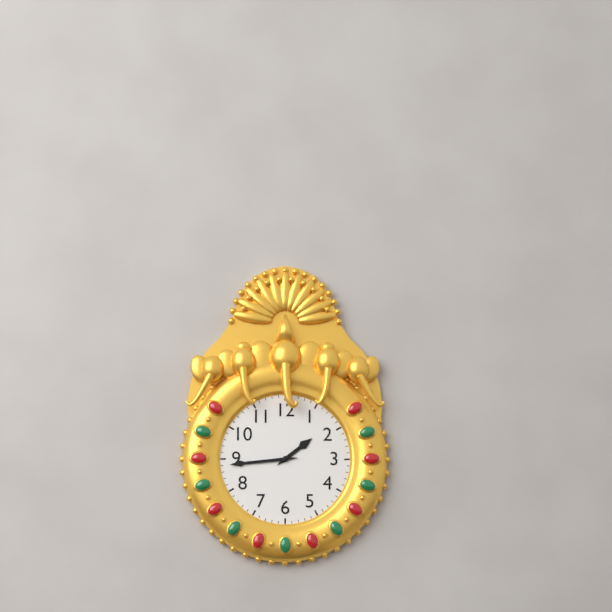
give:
1.44
